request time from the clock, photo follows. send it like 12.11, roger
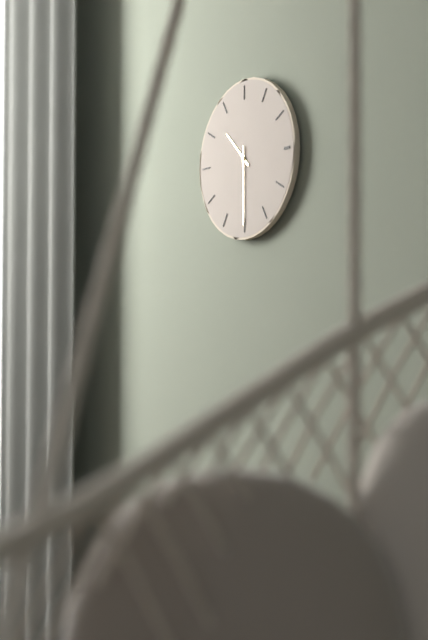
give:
10.30
